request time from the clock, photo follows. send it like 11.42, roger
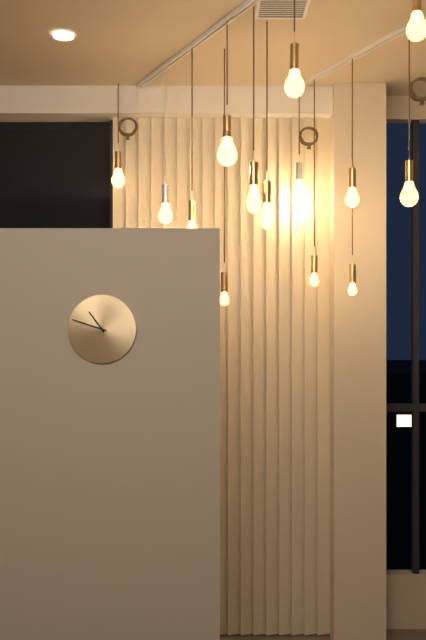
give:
10.48
